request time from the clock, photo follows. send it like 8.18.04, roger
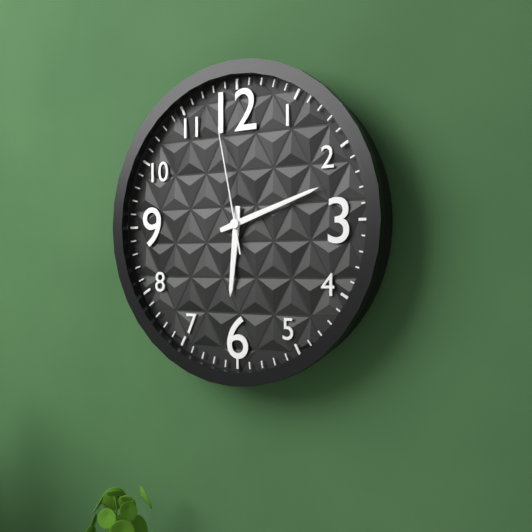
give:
6.12.58
